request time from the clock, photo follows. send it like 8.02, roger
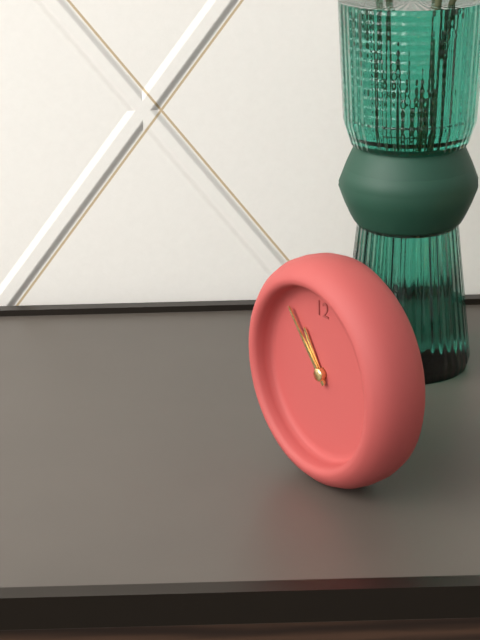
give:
10.53
